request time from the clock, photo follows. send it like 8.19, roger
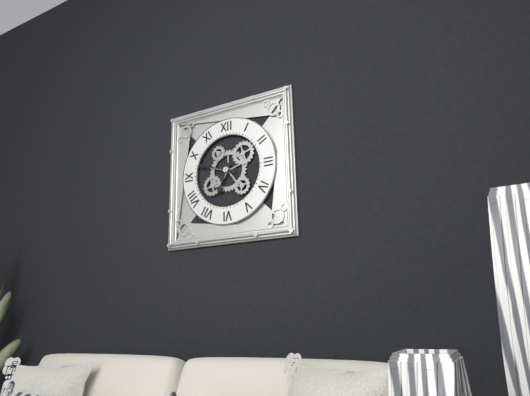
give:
6.48
